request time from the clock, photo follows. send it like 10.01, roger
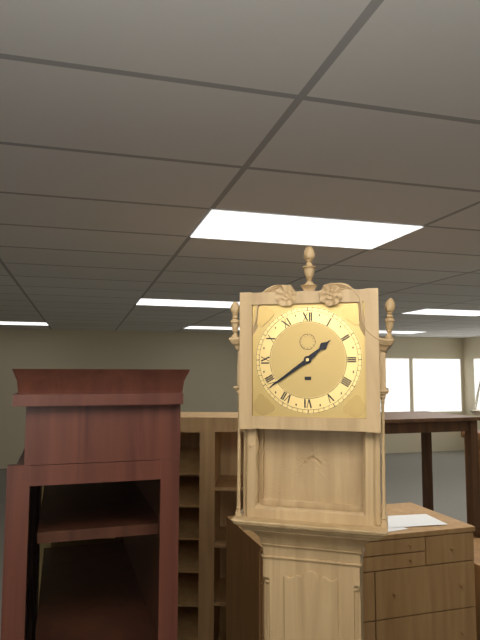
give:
1.39
